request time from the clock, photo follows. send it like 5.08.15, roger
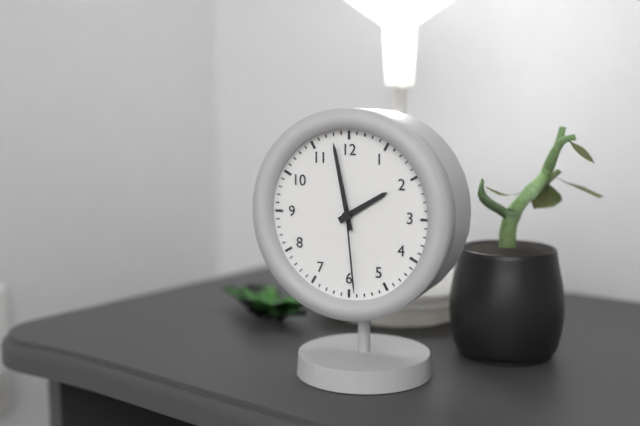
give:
1.58.29
